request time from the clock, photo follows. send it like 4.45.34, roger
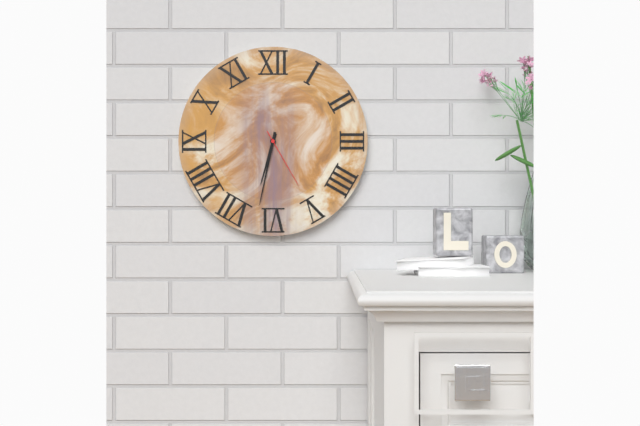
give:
6.32.25
